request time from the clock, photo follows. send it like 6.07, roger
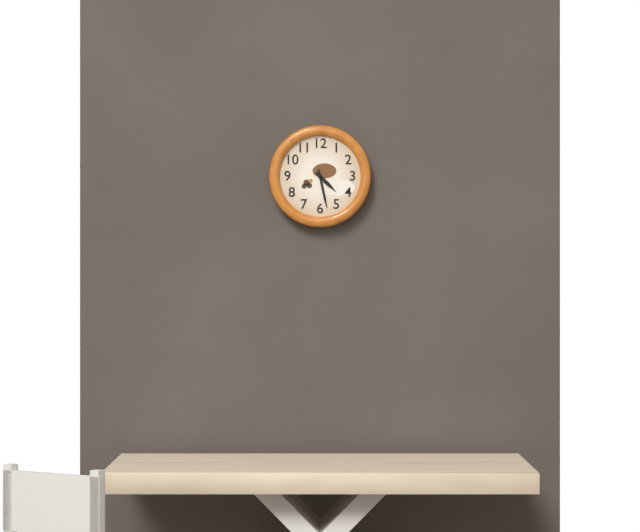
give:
4.28
